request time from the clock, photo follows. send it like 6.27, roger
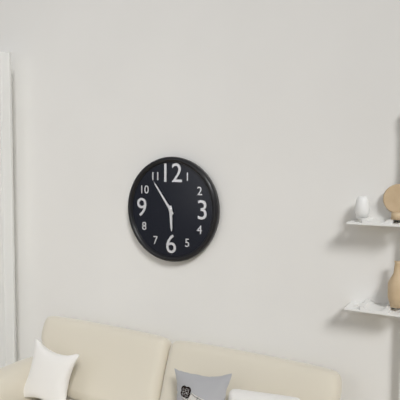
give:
5.54
